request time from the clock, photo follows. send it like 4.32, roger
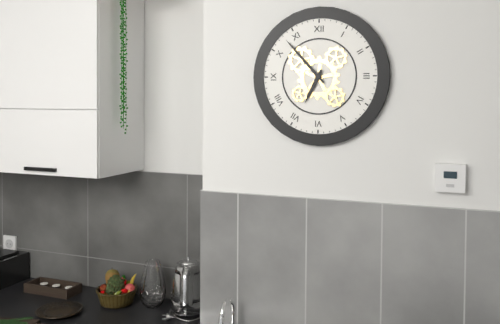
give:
6.53
